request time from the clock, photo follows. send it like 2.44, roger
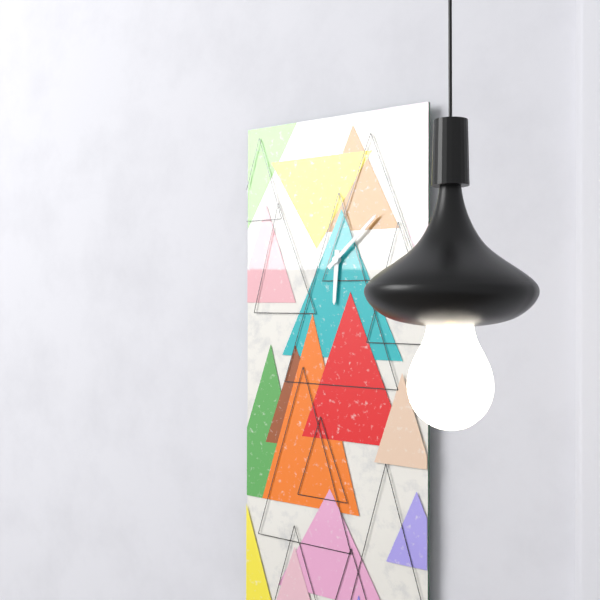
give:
6.08
